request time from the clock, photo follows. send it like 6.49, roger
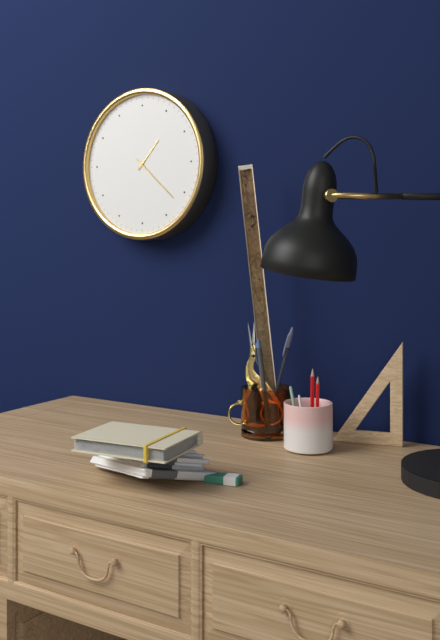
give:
1.22
